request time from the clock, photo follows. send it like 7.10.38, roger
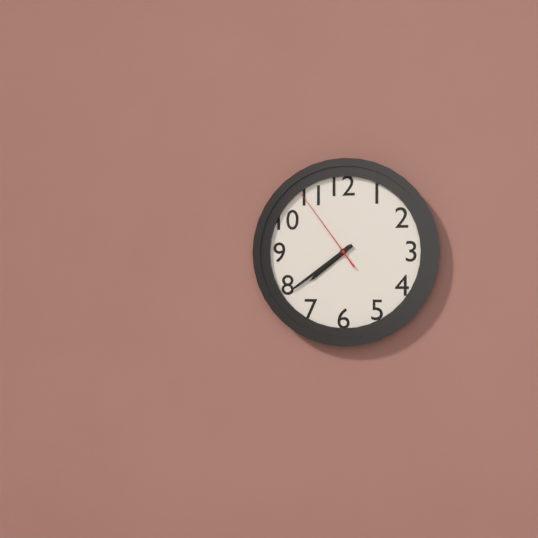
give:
7.39.54
